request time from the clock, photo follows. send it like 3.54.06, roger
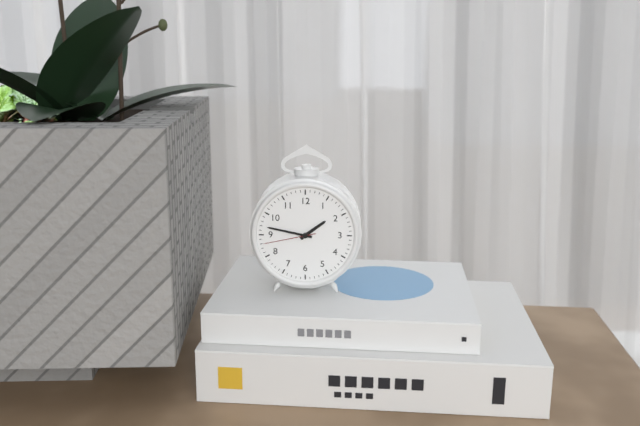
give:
1.47.43
